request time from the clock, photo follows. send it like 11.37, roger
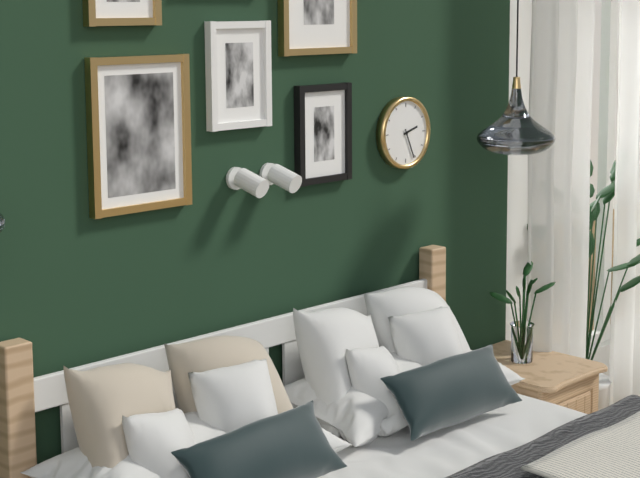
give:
2.26
